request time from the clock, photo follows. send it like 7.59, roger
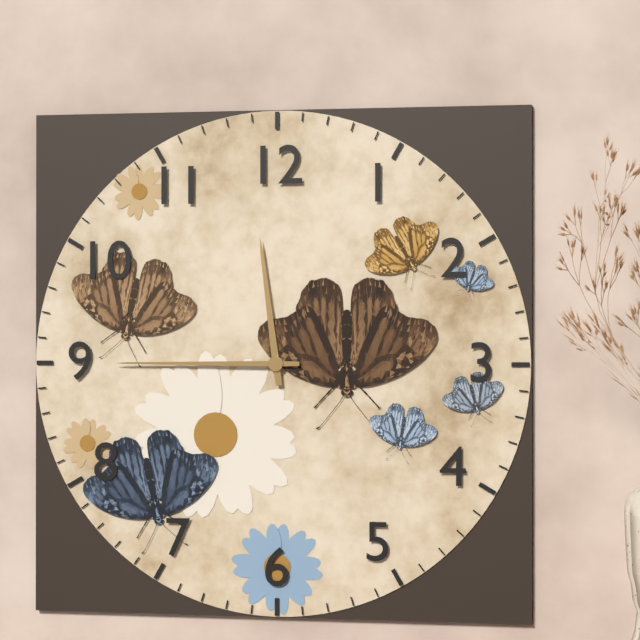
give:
11.45
